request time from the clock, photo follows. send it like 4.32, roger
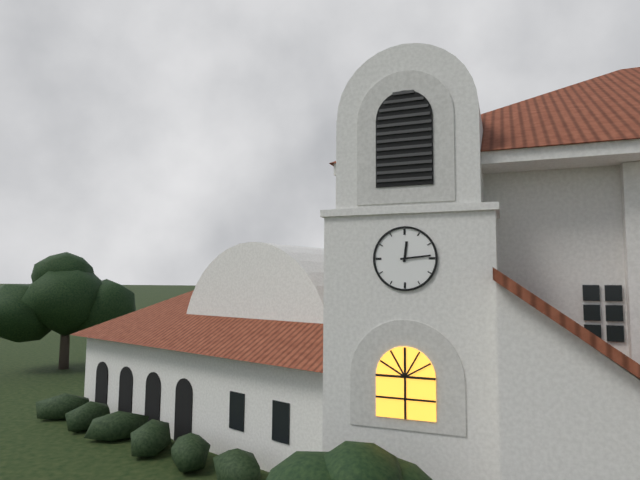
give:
12.14
